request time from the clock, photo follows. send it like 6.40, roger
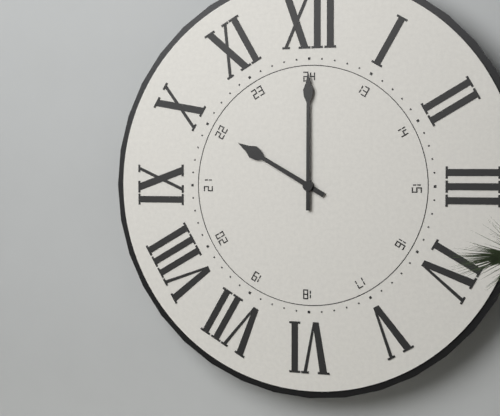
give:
10.00
